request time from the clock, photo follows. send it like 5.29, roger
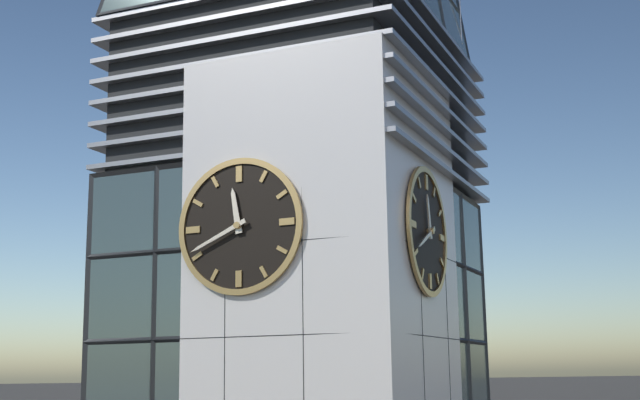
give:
11.41
